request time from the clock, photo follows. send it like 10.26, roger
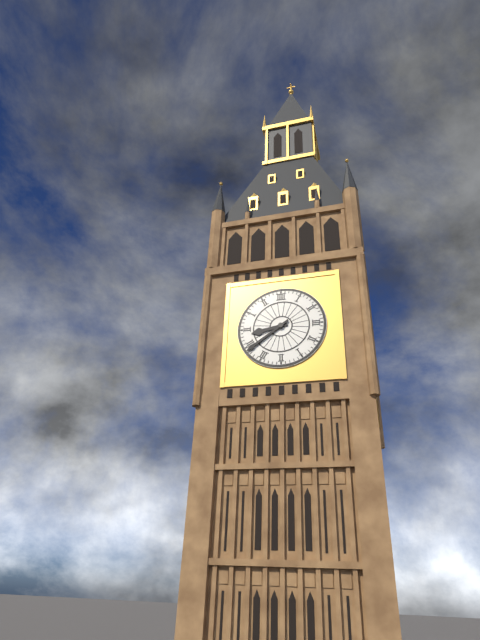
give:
8.39
